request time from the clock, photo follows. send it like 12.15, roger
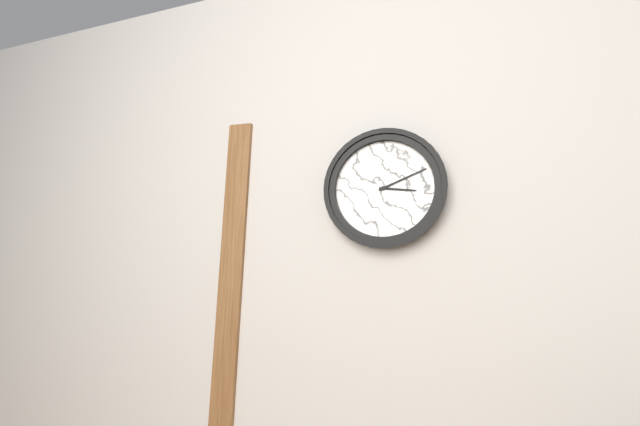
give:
3.11
